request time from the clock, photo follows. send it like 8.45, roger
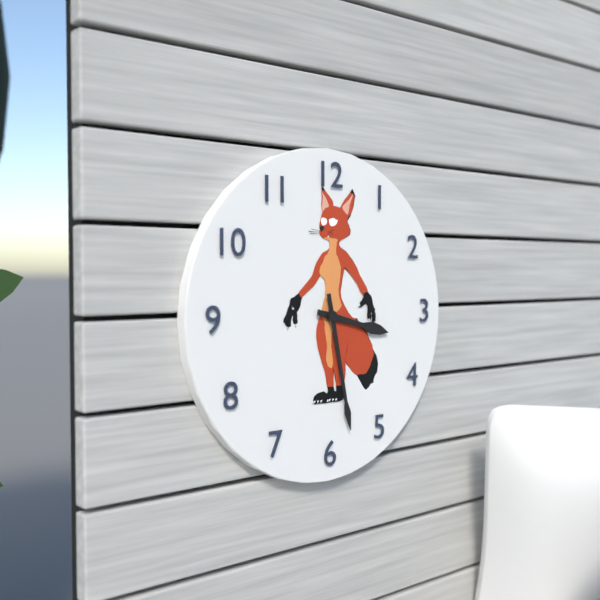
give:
3.28
